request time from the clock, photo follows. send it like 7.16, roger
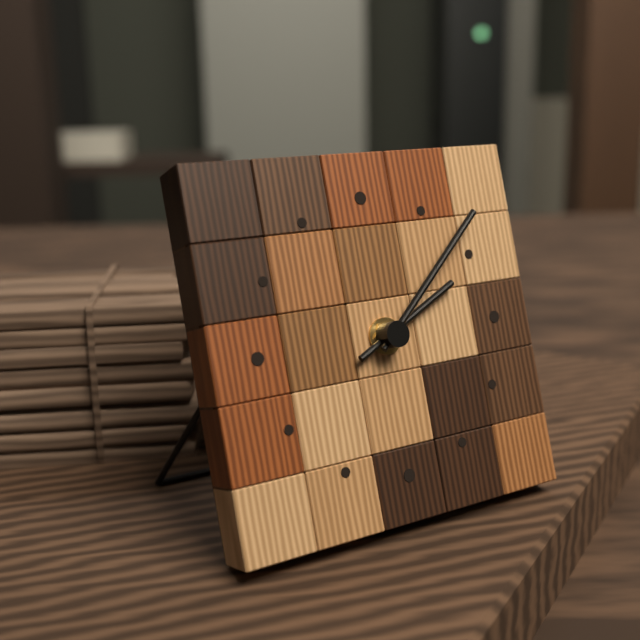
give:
2.08
